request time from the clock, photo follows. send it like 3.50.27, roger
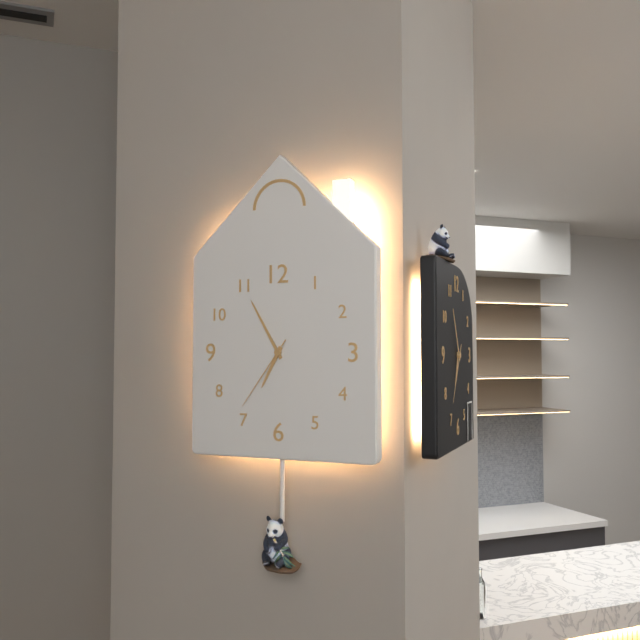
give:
6.55.36
